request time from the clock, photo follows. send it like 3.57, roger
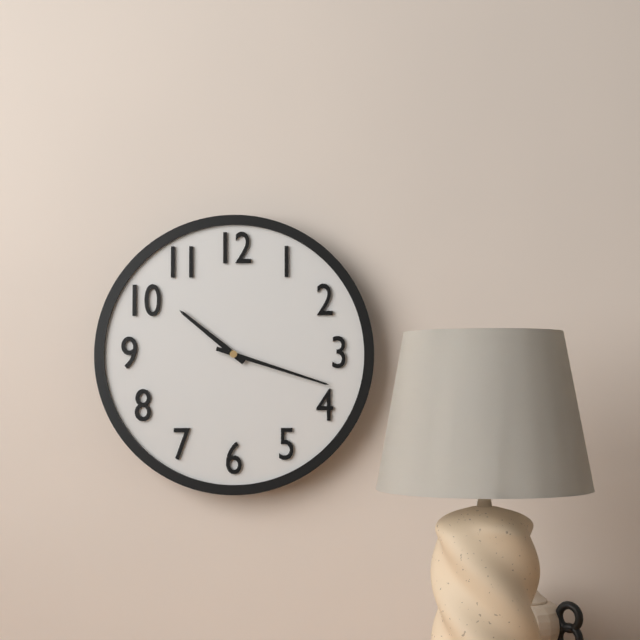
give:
10.18
